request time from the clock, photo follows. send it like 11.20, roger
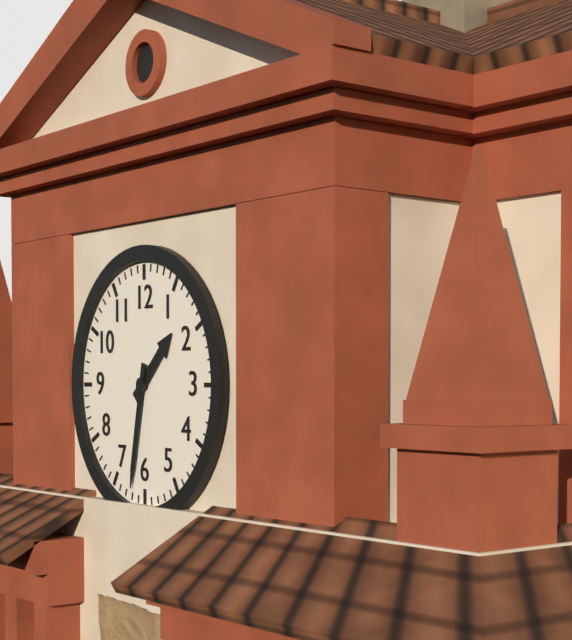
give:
1.32
